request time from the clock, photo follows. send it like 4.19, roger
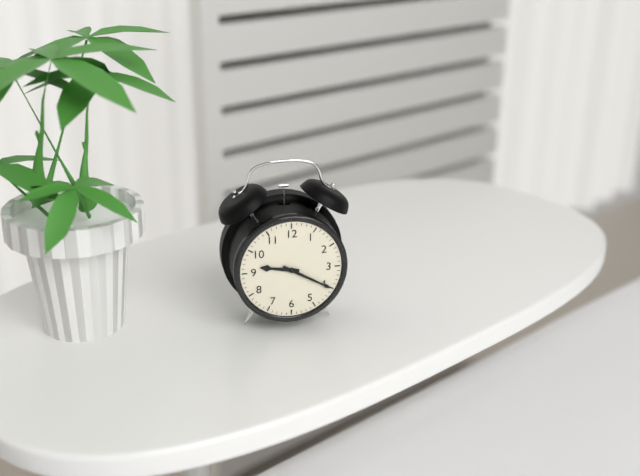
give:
9.20
